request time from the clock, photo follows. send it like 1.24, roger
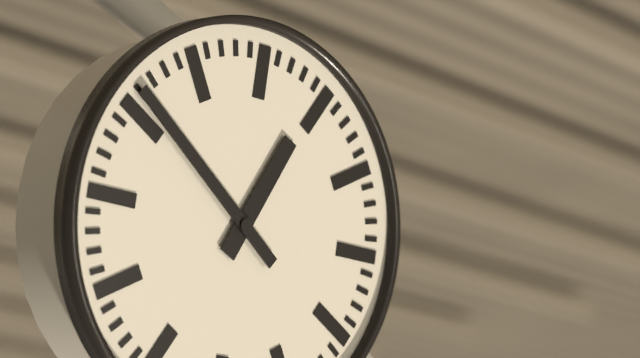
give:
12.51
